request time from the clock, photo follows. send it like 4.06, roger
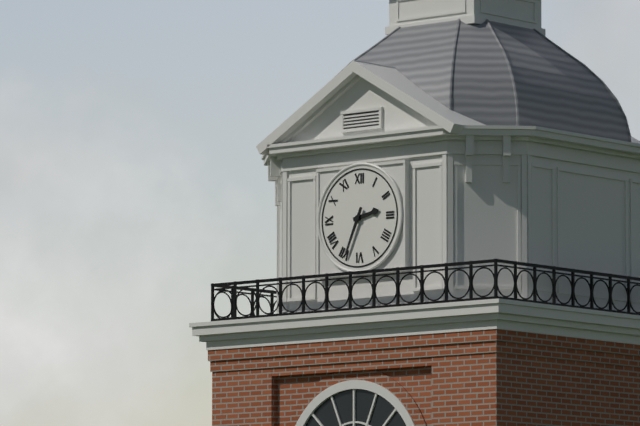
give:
2.34
